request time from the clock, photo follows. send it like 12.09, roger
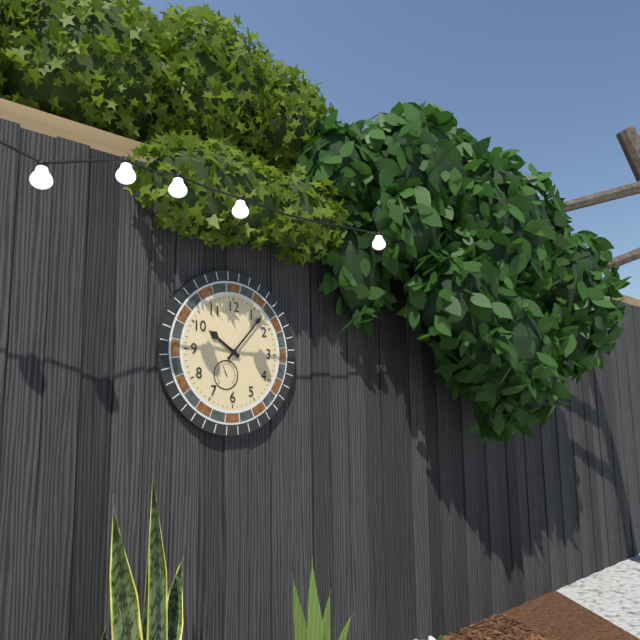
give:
10.07
